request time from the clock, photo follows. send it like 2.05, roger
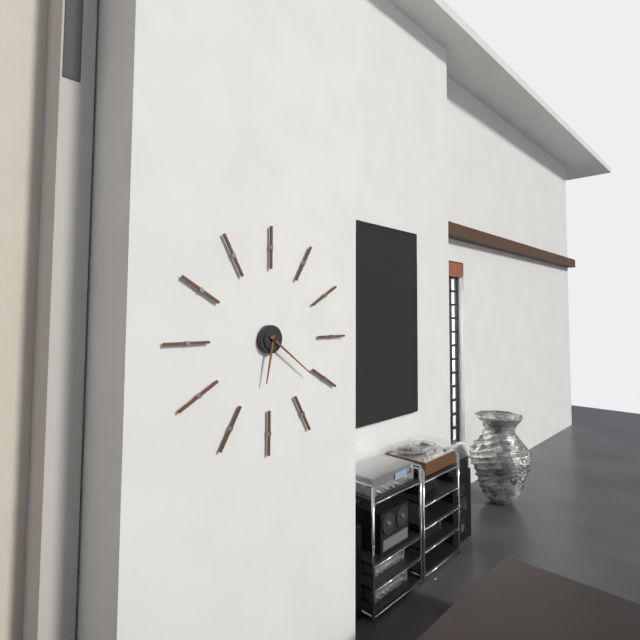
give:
6.21
